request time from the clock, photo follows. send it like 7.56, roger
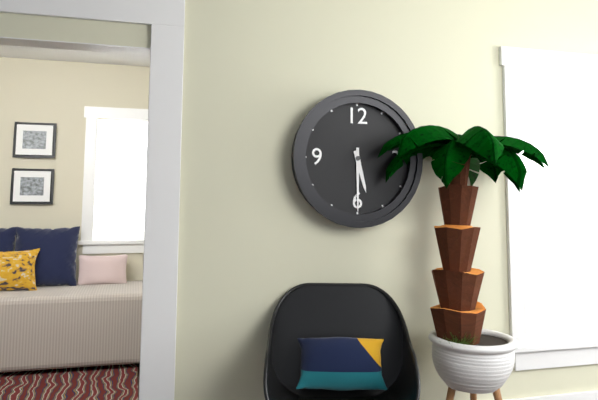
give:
5.30
